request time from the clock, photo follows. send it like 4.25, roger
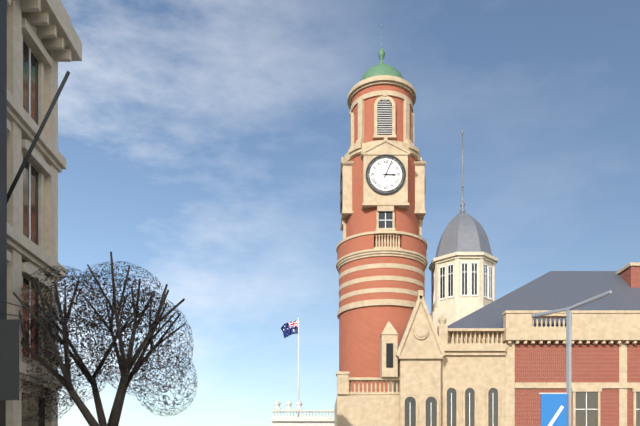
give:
3.04
